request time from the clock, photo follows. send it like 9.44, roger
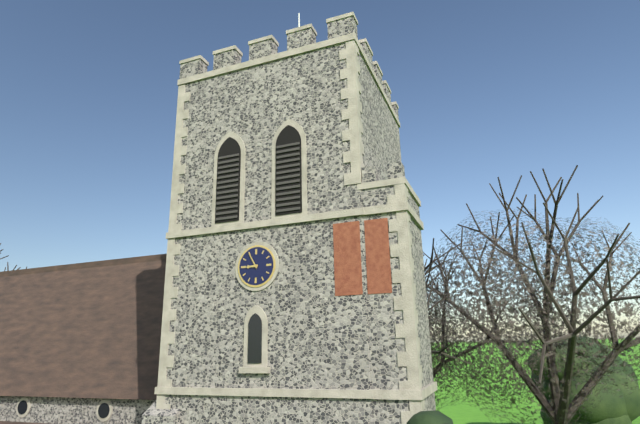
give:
8.55
